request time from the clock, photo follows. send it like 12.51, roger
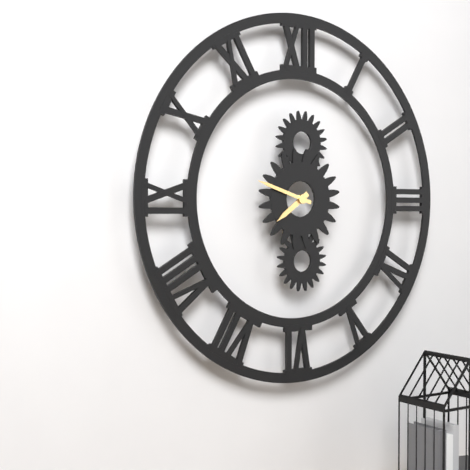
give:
7.48
